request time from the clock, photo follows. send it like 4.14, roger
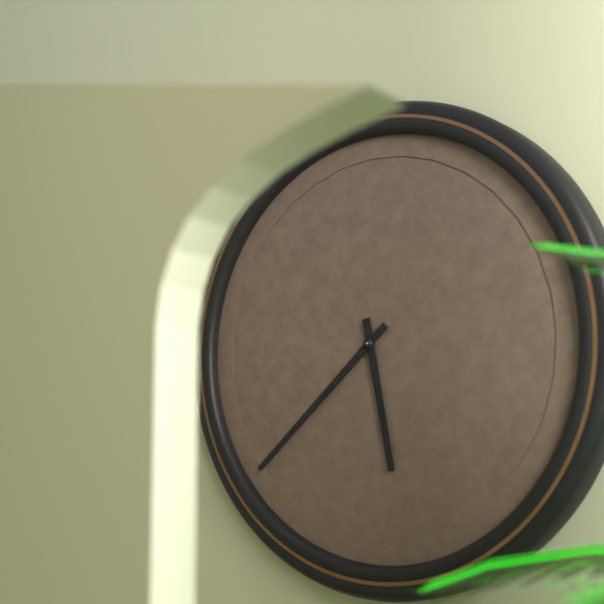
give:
5.38
